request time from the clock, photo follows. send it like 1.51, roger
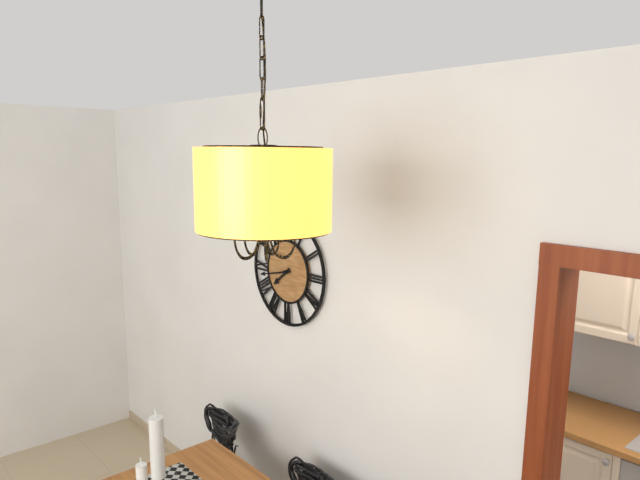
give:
7.43
